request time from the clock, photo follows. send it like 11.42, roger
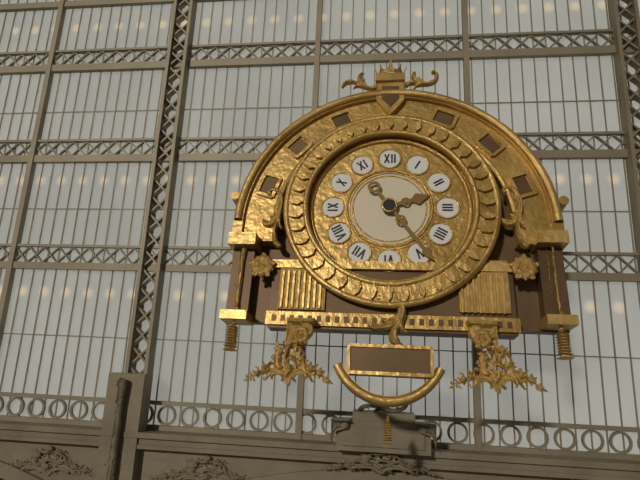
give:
2.24
